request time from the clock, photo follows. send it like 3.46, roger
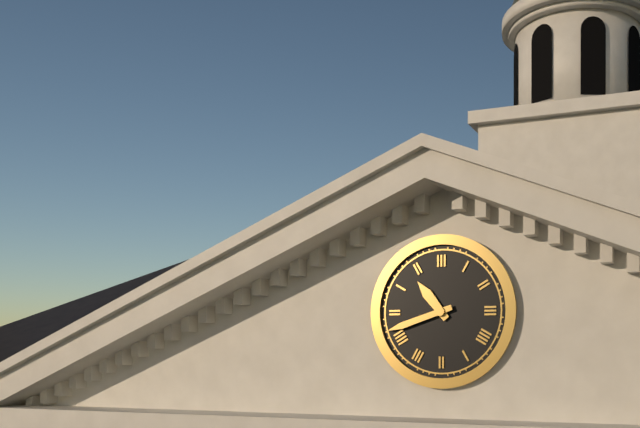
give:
10.42
